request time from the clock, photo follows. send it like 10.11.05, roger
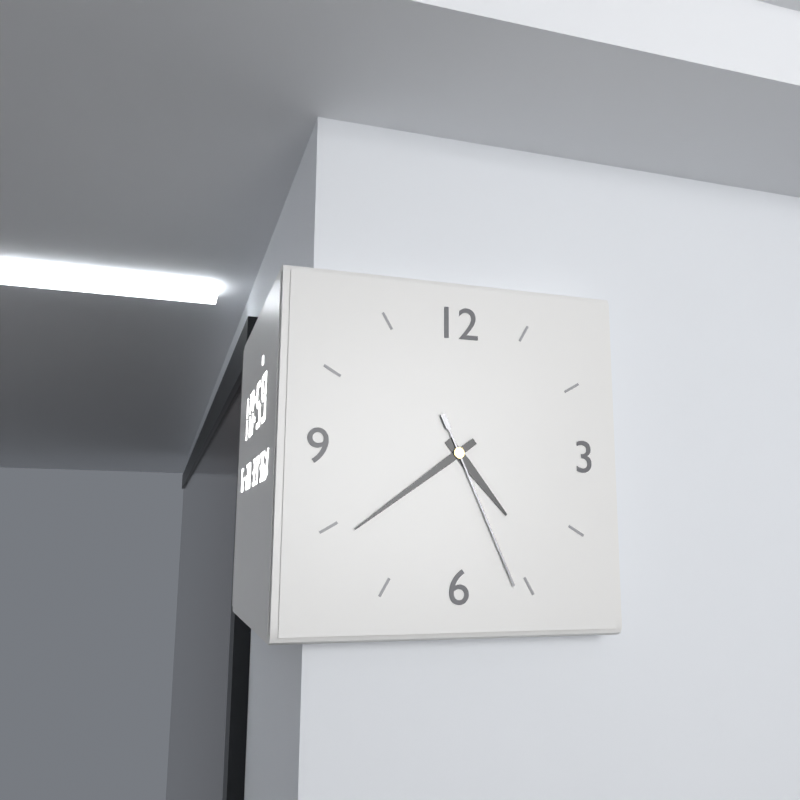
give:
4.39.26
